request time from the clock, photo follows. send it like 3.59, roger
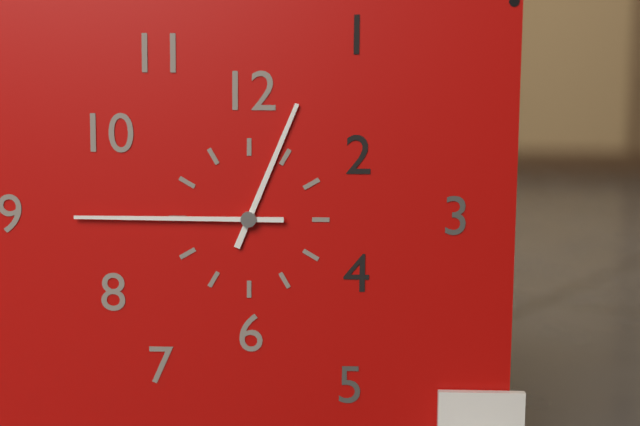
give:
12.45
